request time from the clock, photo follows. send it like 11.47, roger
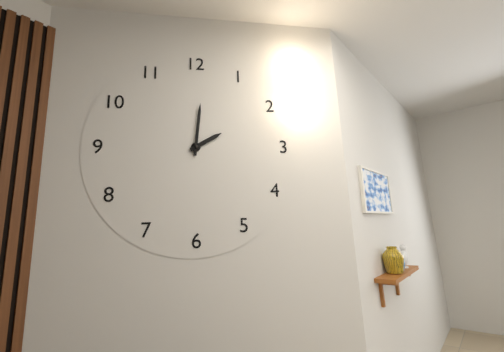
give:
2.01
